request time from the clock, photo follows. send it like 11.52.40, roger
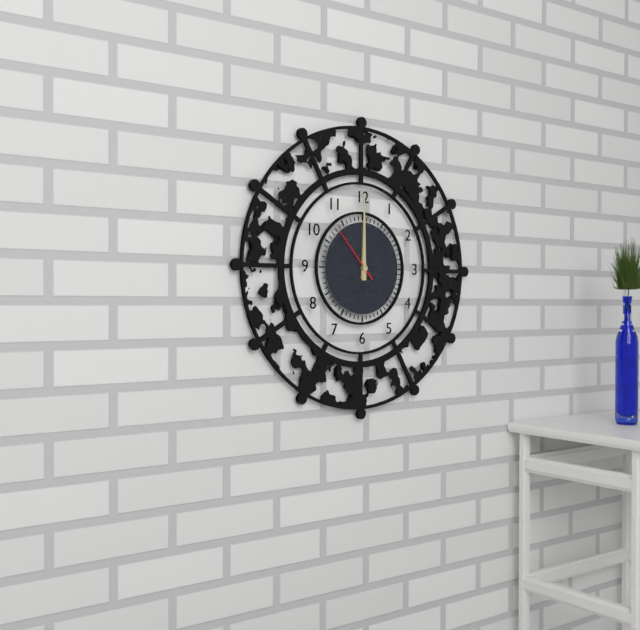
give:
12.00.53
